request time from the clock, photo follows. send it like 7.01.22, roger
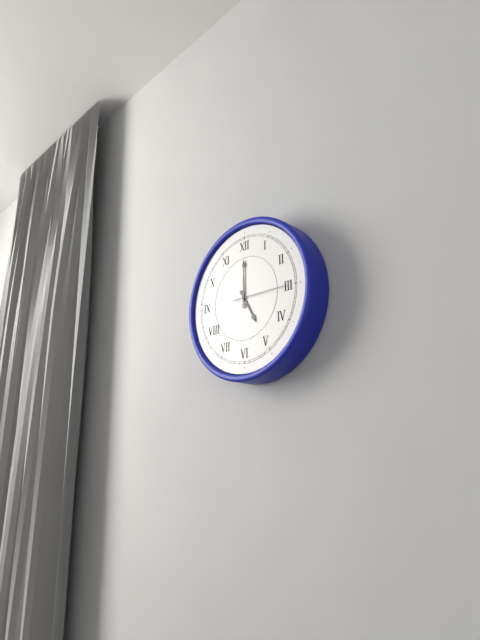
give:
5.00.15
